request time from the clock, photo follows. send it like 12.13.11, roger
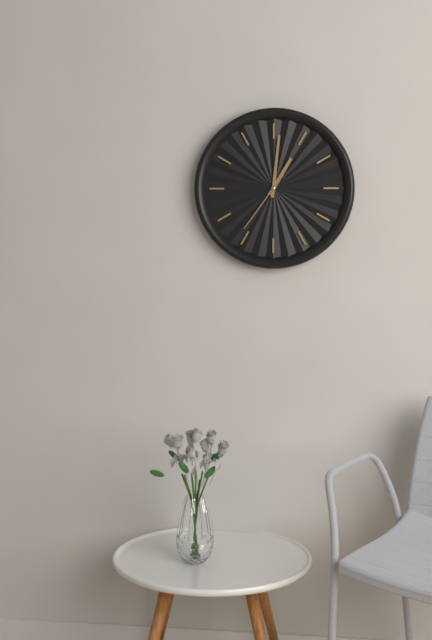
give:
1.01.36
